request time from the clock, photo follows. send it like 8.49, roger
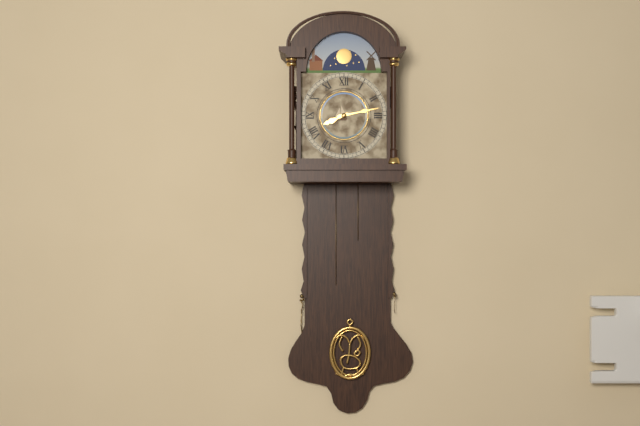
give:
8.13
